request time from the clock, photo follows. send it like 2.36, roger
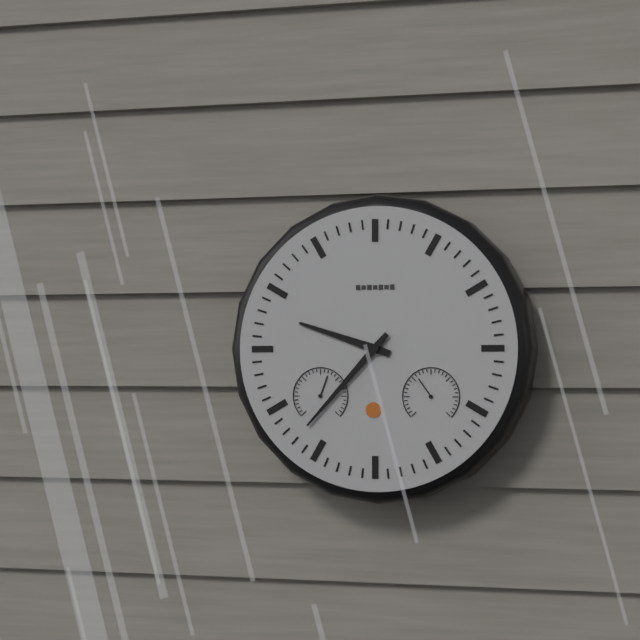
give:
9.37
